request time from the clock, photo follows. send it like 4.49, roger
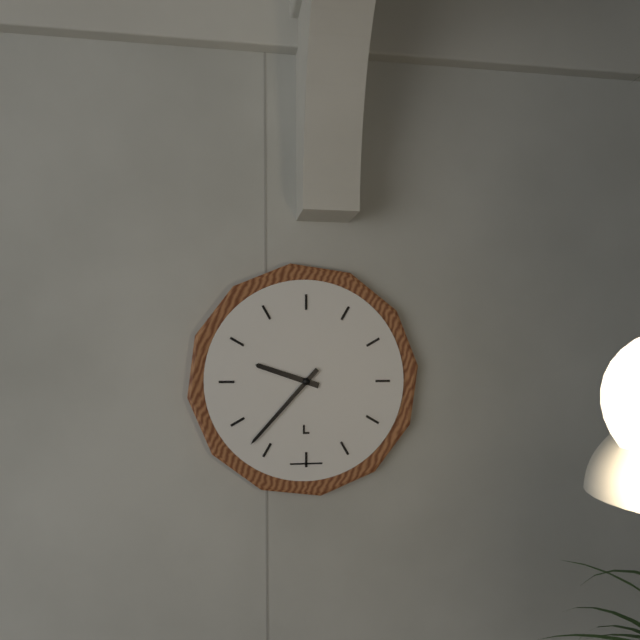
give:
9.37
